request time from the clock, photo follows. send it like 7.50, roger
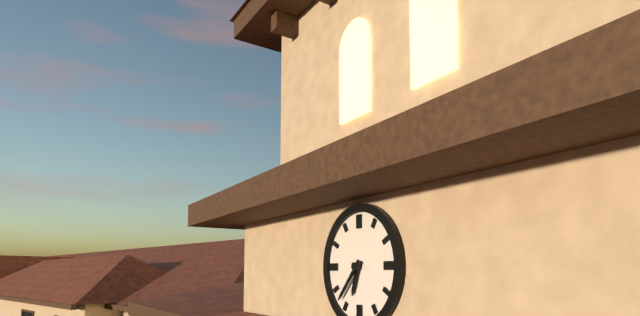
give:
6.37
